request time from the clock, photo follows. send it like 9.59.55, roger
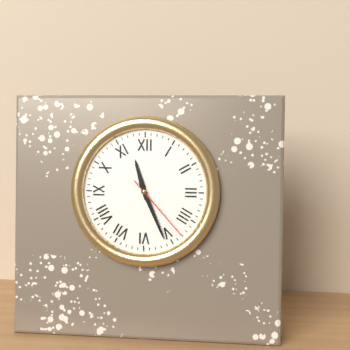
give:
11.26.23
